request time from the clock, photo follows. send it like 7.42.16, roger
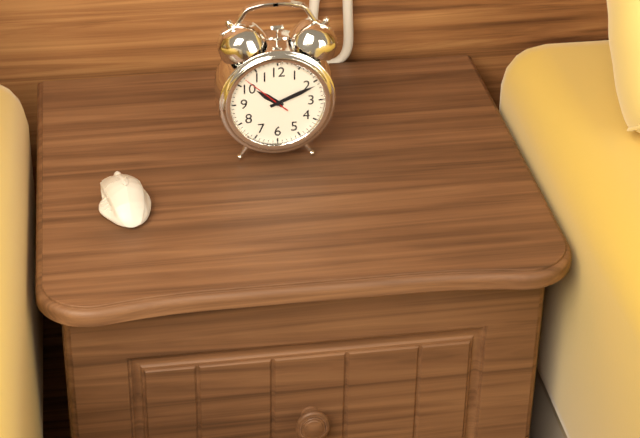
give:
10.11.52
